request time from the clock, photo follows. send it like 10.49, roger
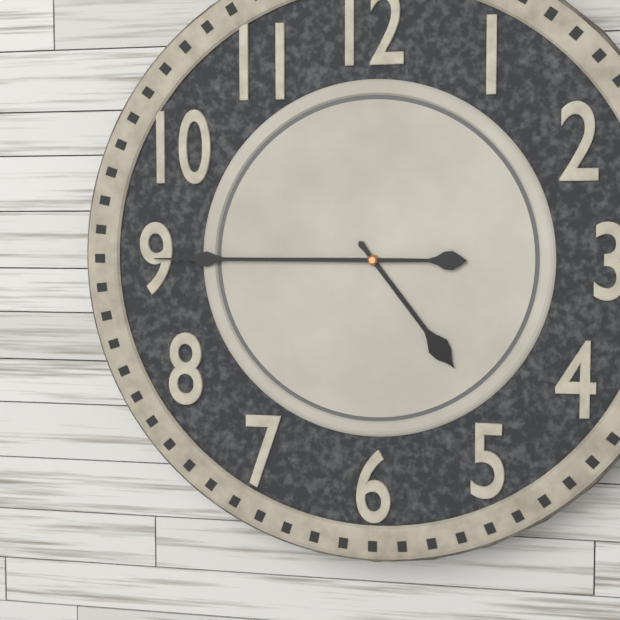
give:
4.45
